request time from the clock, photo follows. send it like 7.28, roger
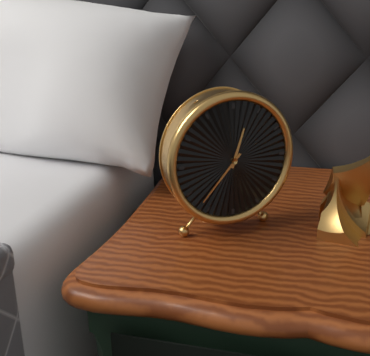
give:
12.37
